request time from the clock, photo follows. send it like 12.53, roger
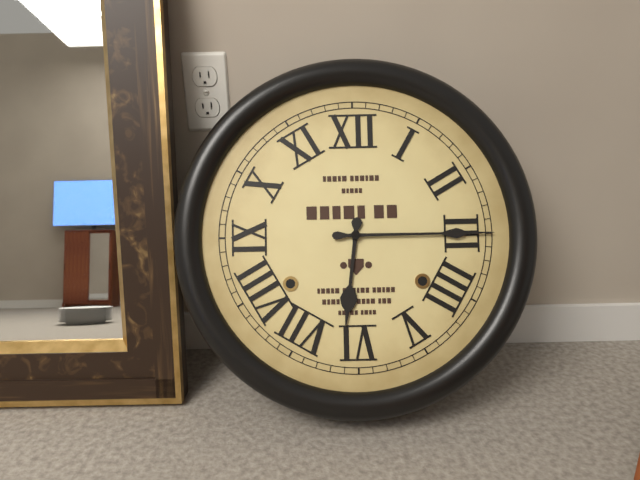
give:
6.15
